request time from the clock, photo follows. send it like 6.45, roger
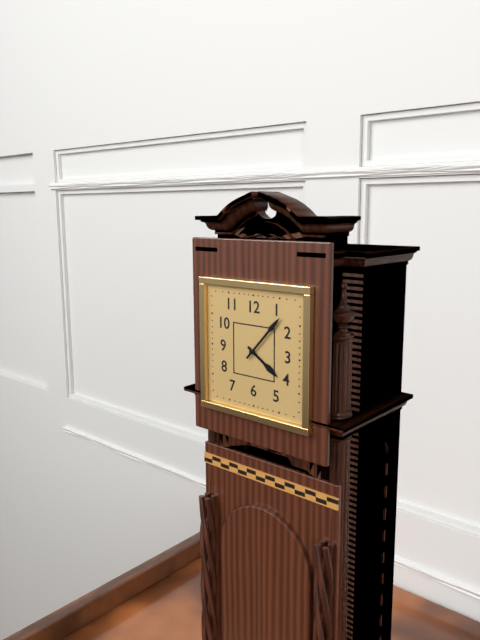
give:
4.07
